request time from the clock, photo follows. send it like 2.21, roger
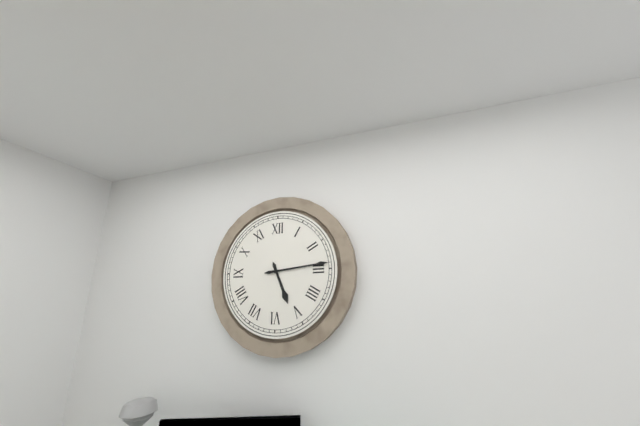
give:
5.14
